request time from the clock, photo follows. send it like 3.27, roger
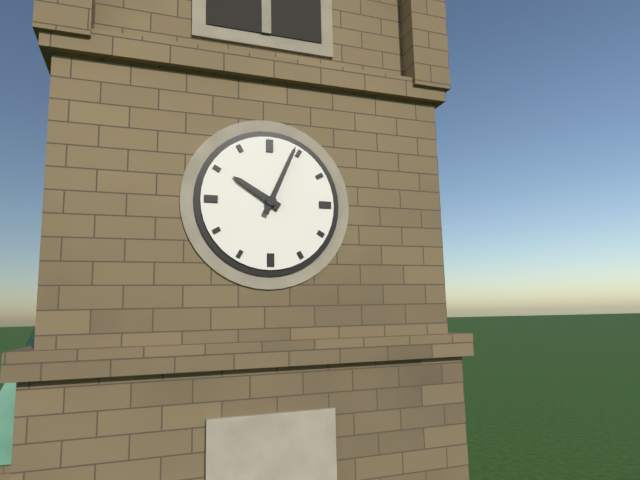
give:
10.04
